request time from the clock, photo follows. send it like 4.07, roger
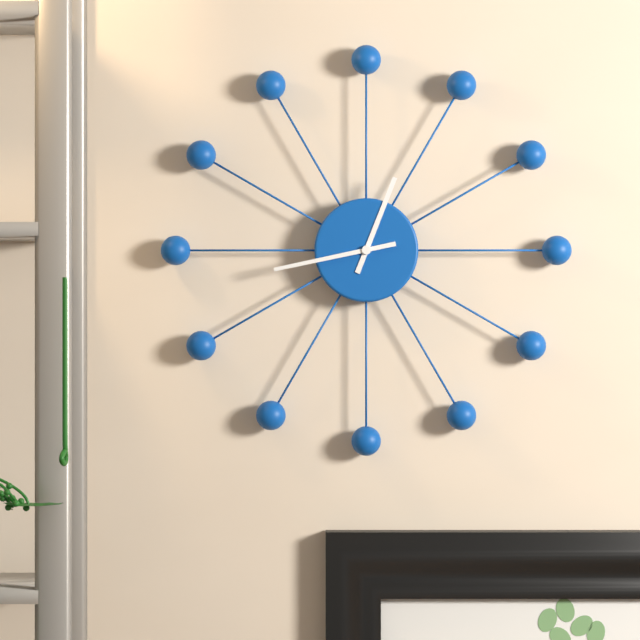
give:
12.43
